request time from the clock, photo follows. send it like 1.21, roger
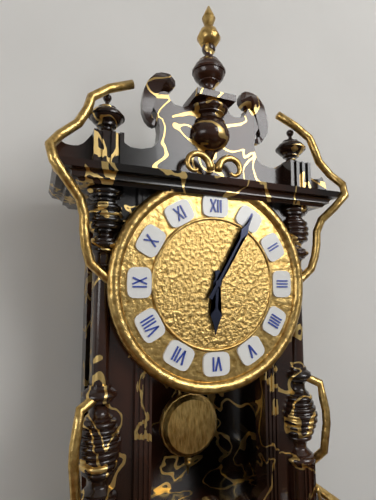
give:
6.05
